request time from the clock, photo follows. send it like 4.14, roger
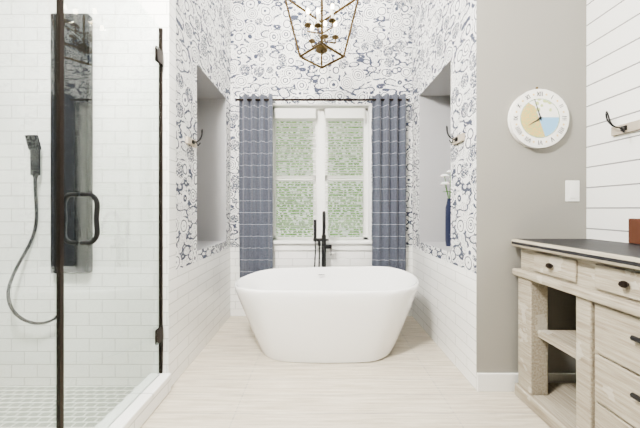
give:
7.57
